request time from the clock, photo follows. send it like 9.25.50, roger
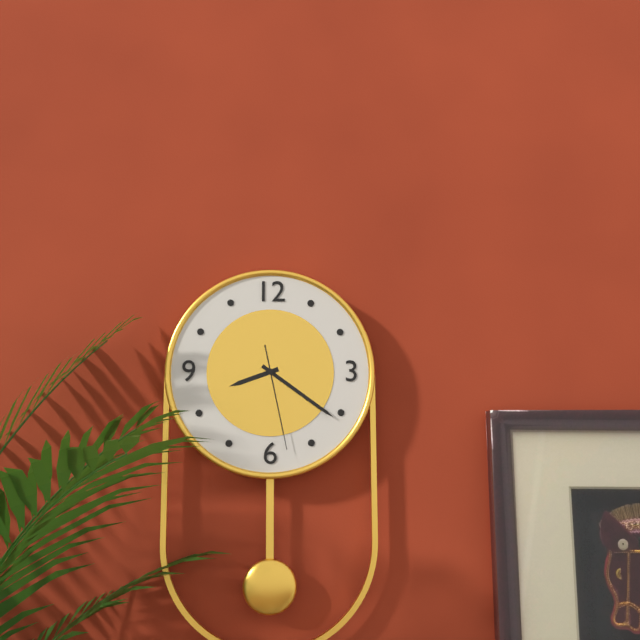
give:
8.21.28
